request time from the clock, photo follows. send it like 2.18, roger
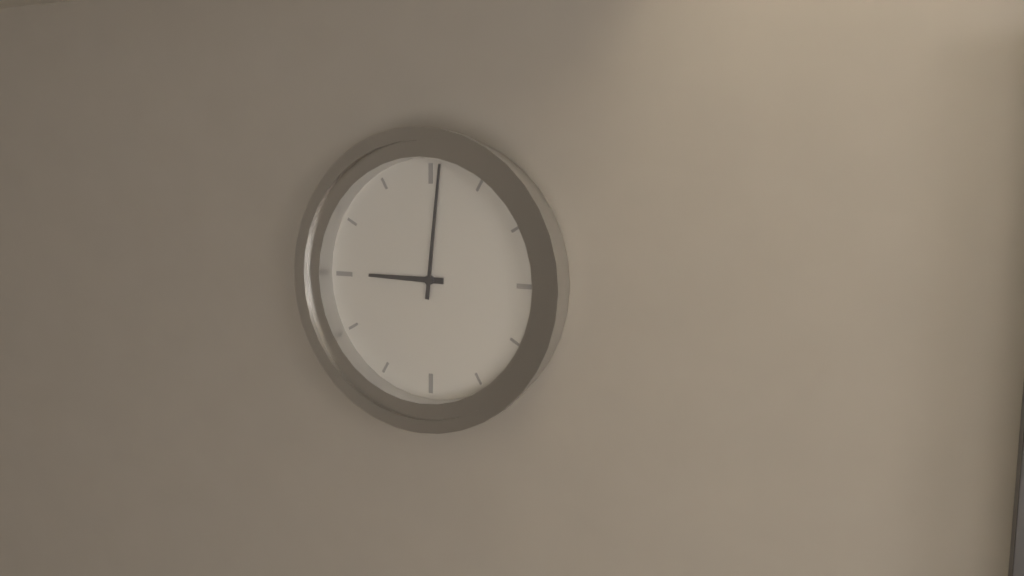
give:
9.01
